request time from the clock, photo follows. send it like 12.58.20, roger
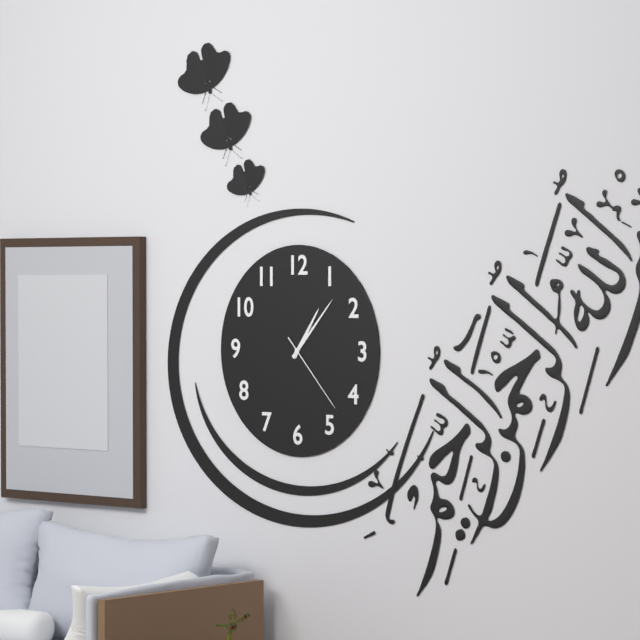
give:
1.07.23
